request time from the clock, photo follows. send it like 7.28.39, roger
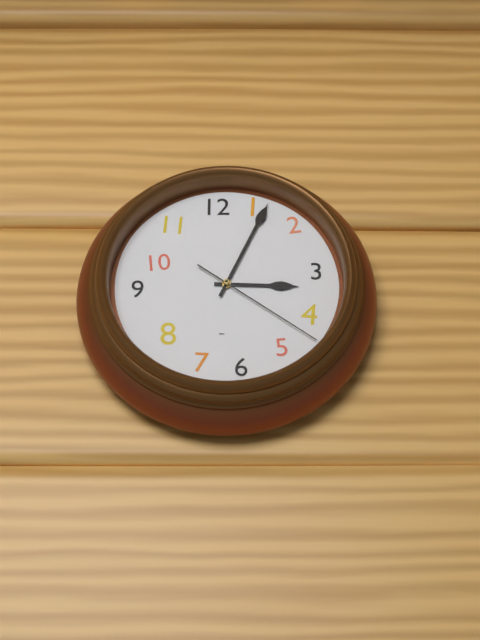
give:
3.04.21
